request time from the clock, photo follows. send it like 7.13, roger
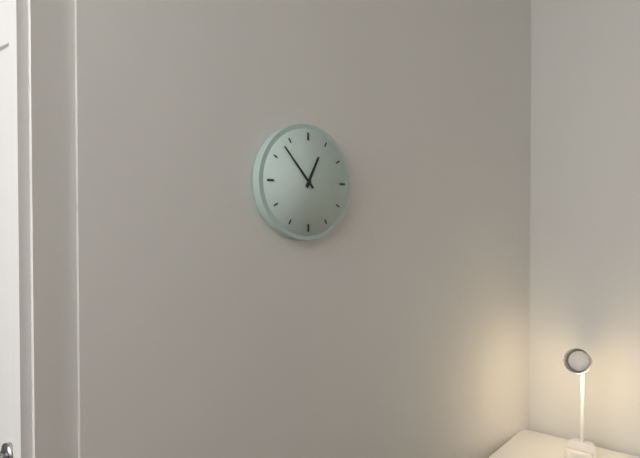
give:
12.53
